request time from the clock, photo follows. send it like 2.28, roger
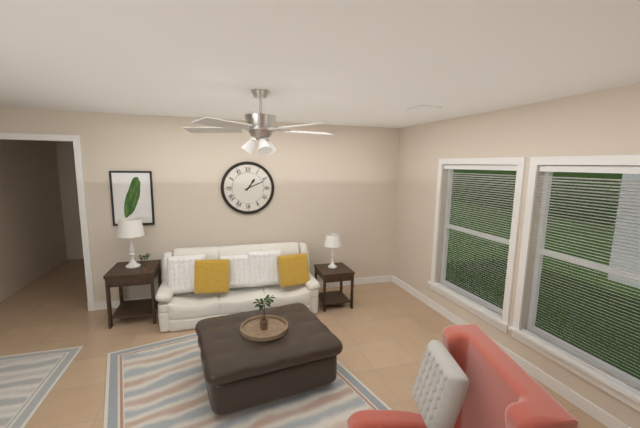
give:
1.11
